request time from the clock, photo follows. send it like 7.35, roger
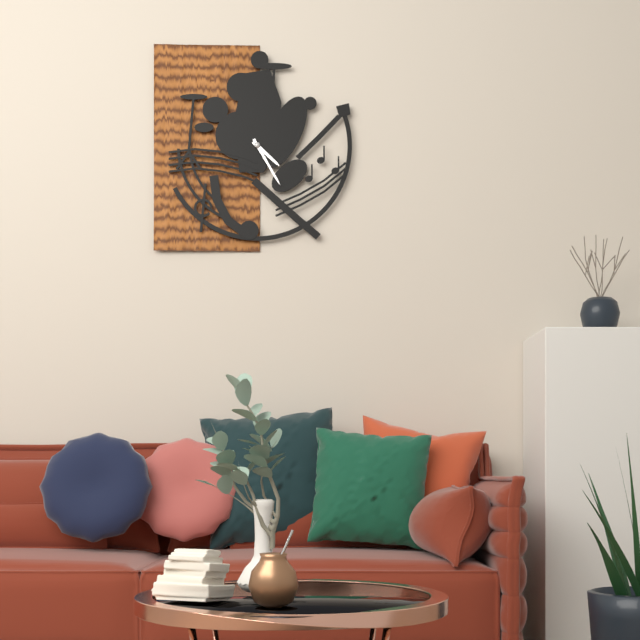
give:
4.25
